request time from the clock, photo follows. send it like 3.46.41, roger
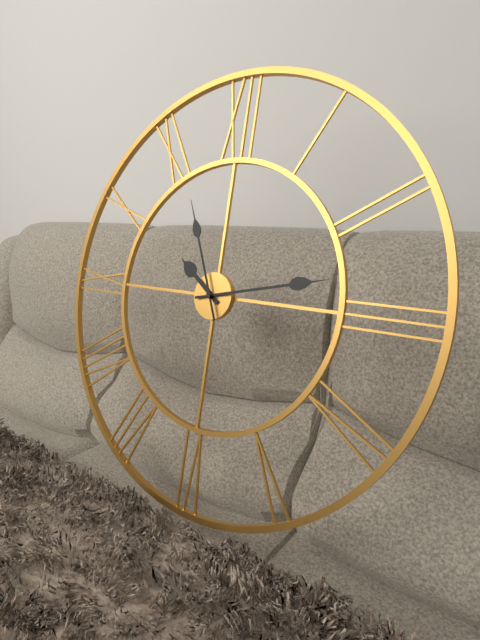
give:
10.13.56
